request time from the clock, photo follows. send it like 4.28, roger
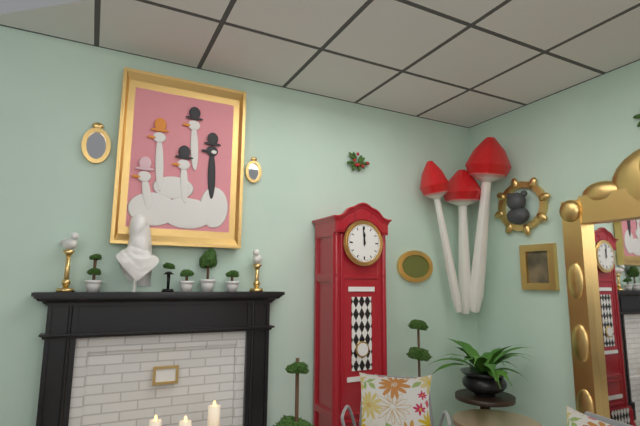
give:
11.59
